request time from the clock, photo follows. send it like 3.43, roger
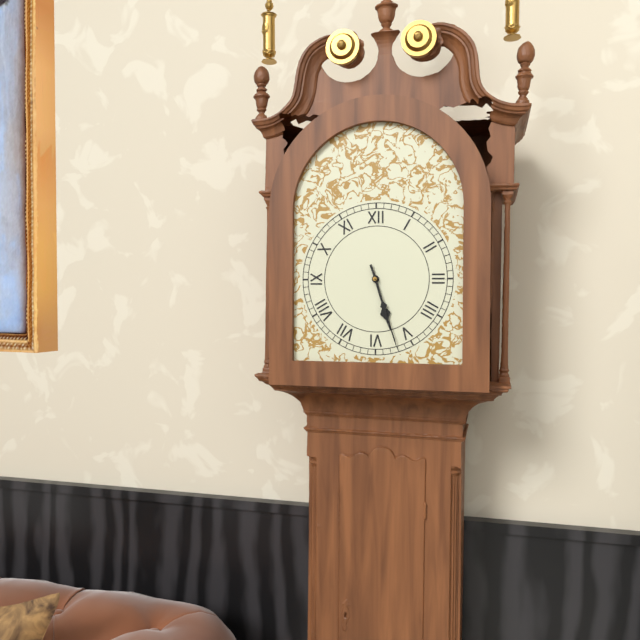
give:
5.27
